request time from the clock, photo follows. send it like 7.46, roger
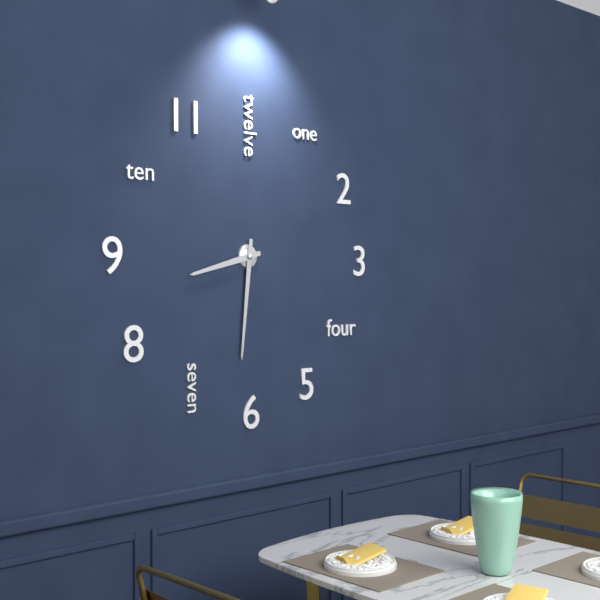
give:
8.31
